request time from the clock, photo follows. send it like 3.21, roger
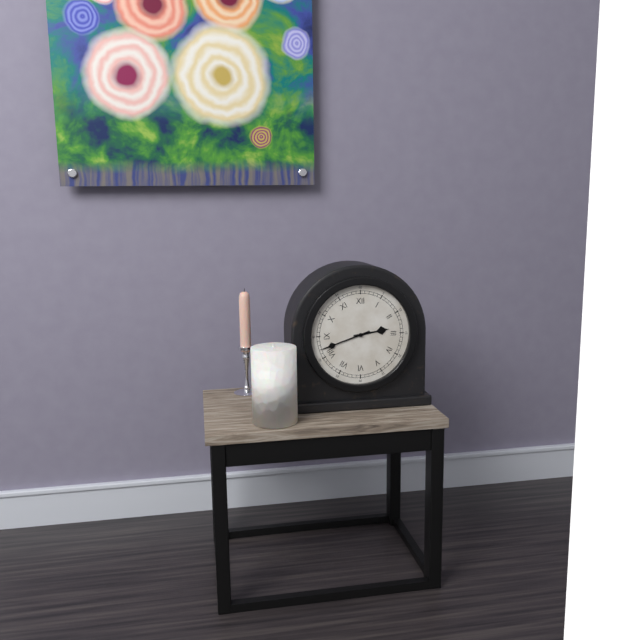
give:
2.42
